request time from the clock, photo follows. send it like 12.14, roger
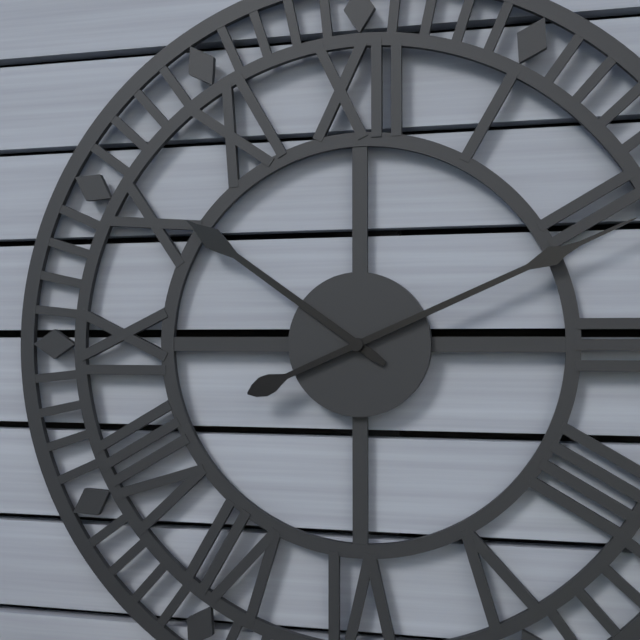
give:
10.11
